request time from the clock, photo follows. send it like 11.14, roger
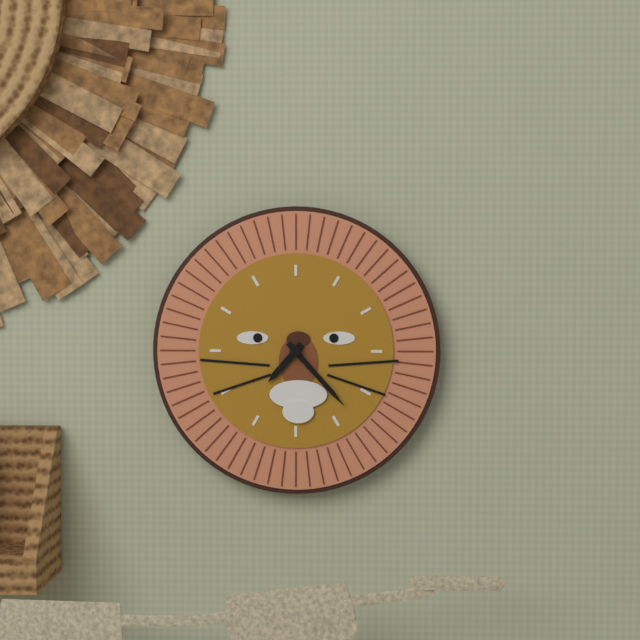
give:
7.23
